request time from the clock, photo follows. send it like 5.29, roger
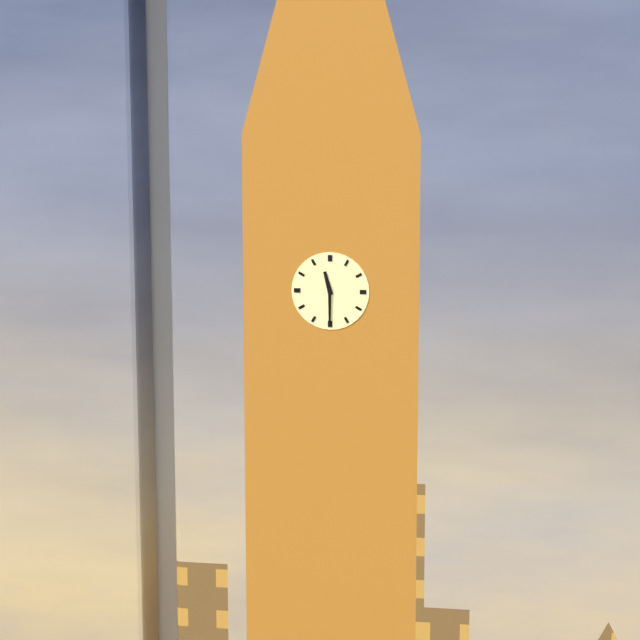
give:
11.30
